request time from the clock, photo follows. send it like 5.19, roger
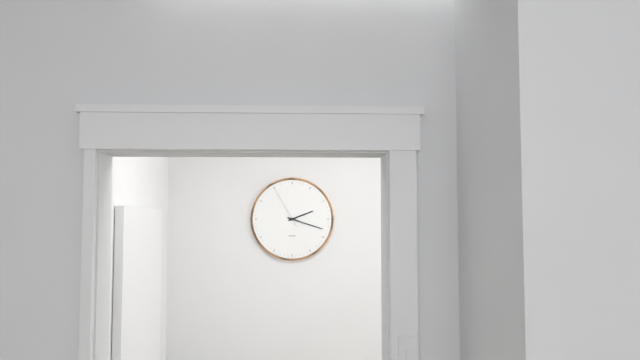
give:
2.18
